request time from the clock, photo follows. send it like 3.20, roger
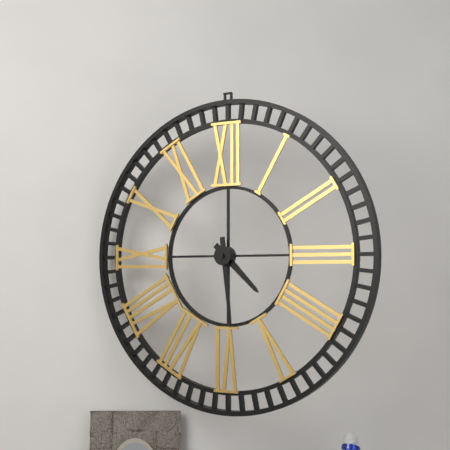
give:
4.29
